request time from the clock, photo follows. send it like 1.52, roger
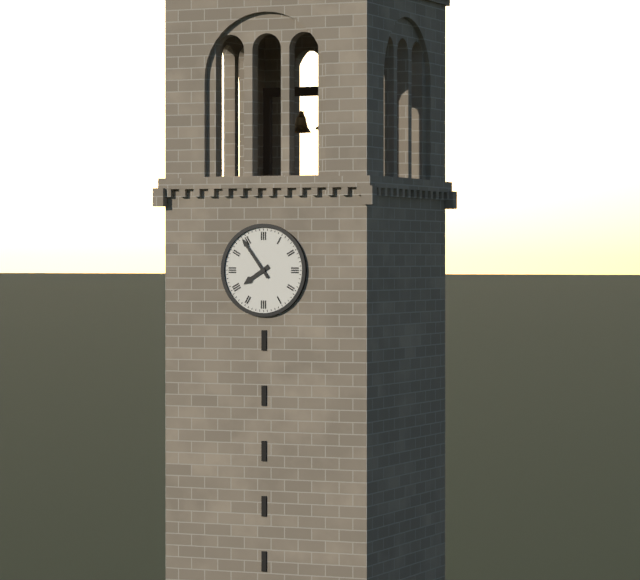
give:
7.54
